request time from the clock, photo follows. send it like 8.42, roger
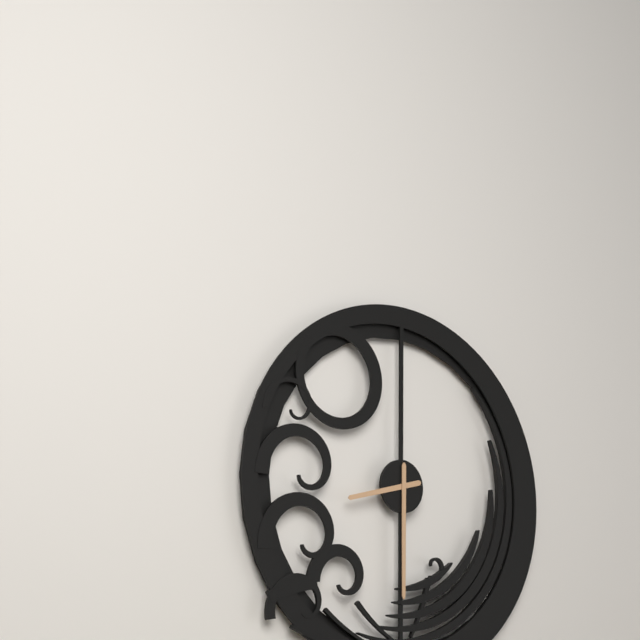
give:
8.30
